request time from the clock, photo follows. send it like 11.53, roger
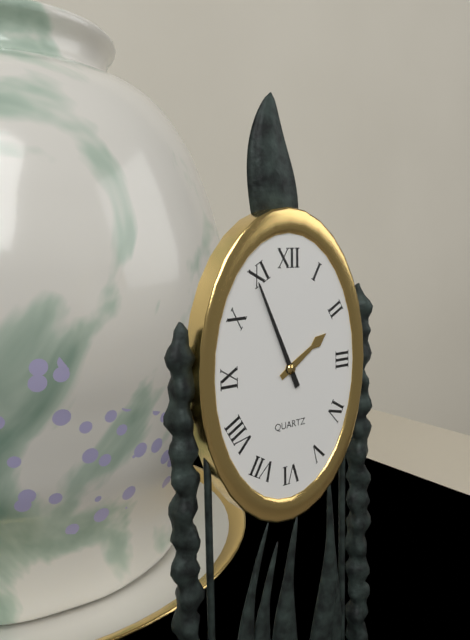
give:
1.56
